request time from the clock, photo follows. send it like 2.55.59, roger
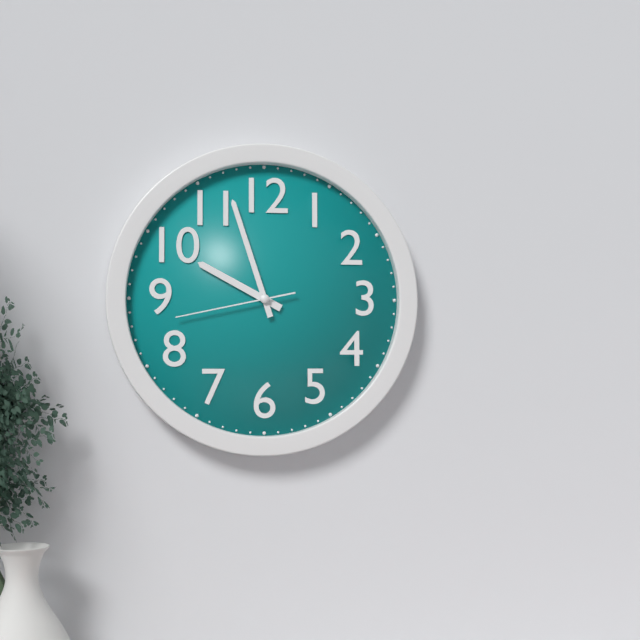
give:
9.57.43
